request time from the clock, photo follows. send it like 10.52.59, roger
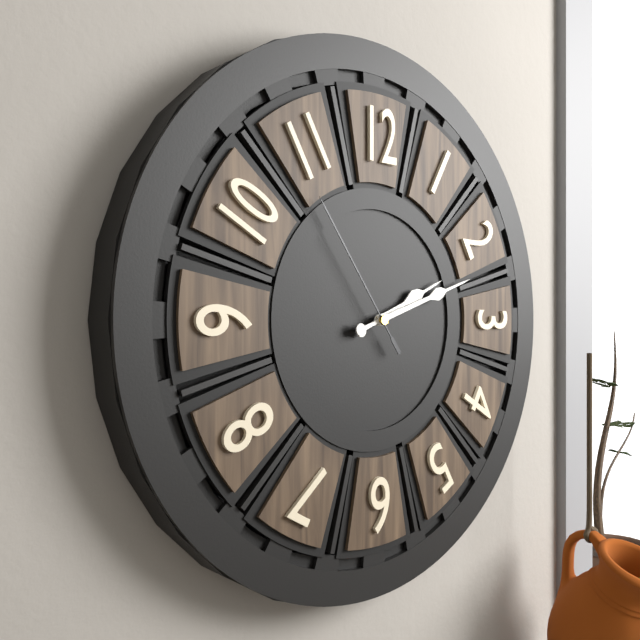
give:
2.12.54
